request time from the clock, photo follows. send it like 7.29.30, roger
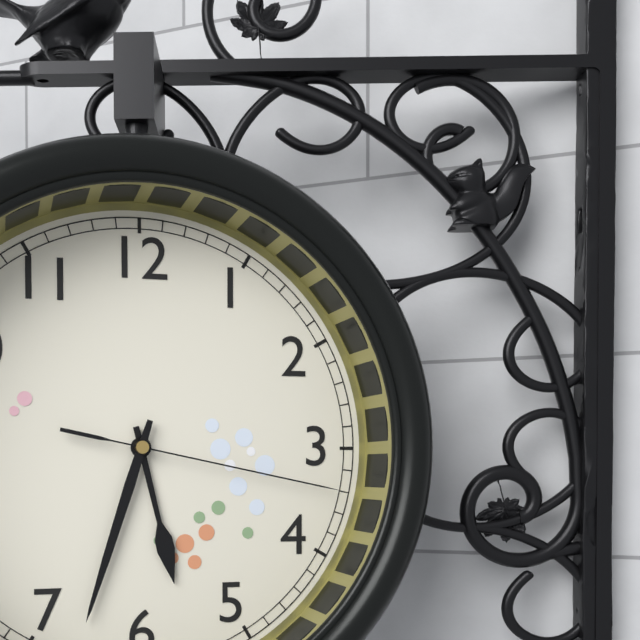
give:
5.33.17
